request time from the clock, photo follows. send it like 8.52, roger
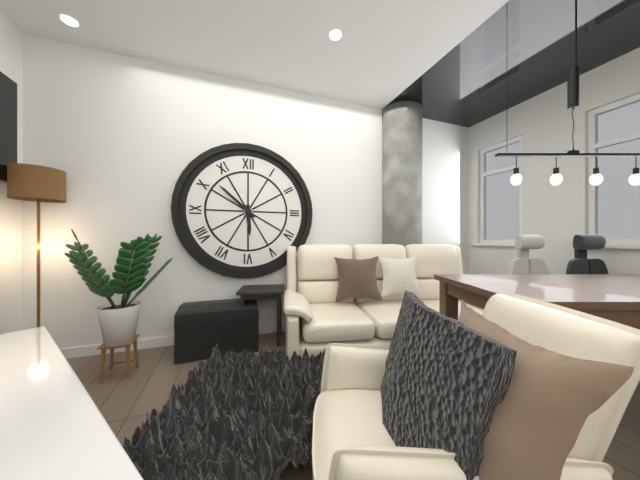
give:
5.52
